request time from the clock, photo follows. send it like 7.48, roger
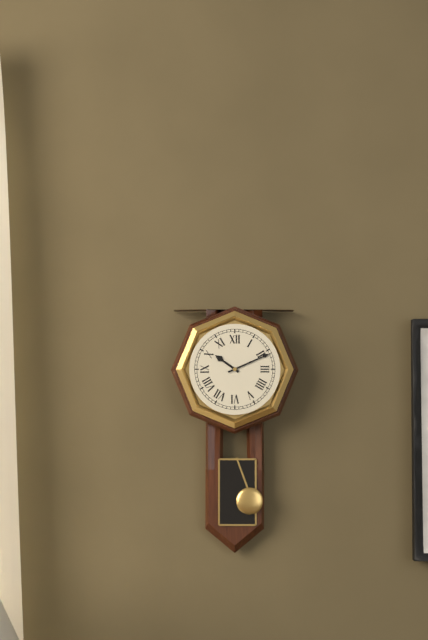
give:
10.11
